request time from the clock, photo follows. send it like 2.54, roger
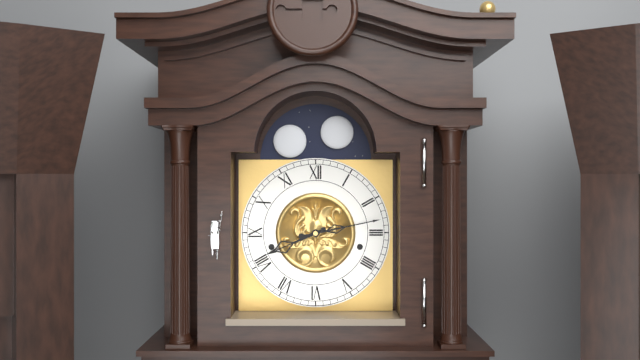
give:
8.13
